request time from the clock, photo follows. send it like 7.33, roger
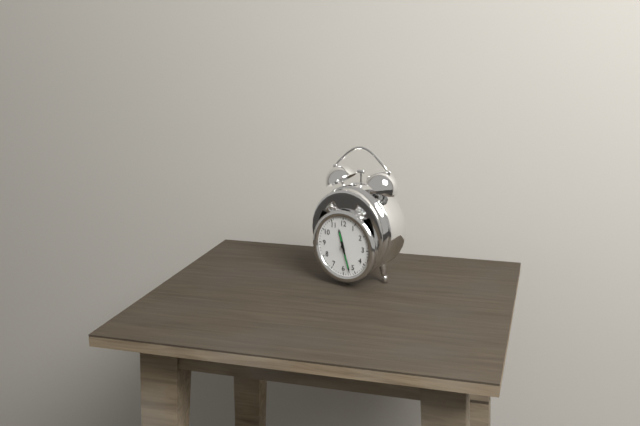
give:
11.27
